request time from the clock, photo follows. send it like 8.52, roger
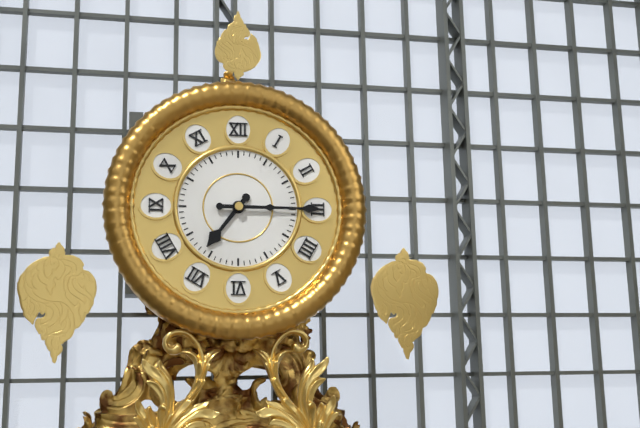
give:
7.15
